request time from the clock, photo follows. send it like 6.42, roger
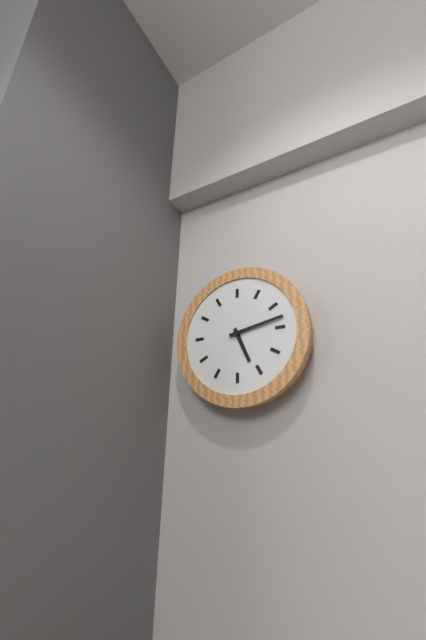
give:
5.13
